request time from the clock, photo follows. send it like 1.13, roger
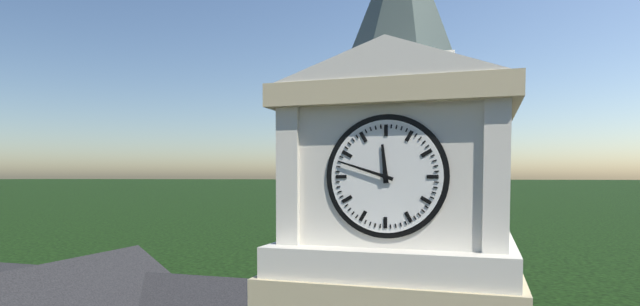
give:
11.48
